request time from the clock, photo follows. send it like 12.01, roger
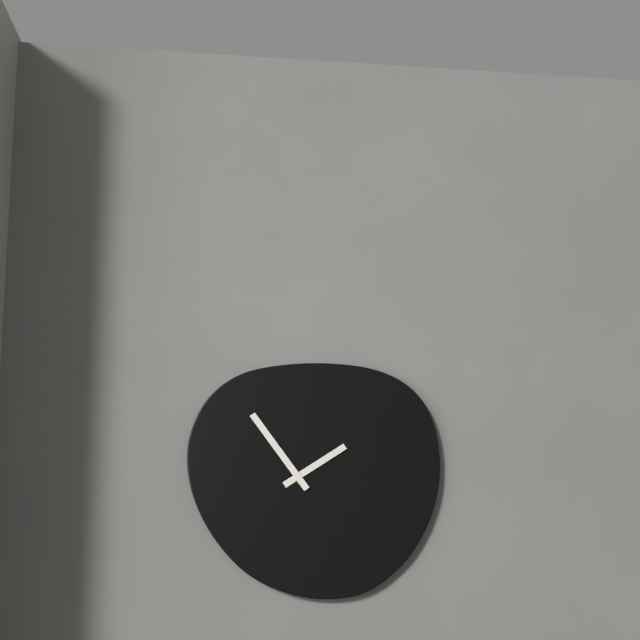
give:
1.54
